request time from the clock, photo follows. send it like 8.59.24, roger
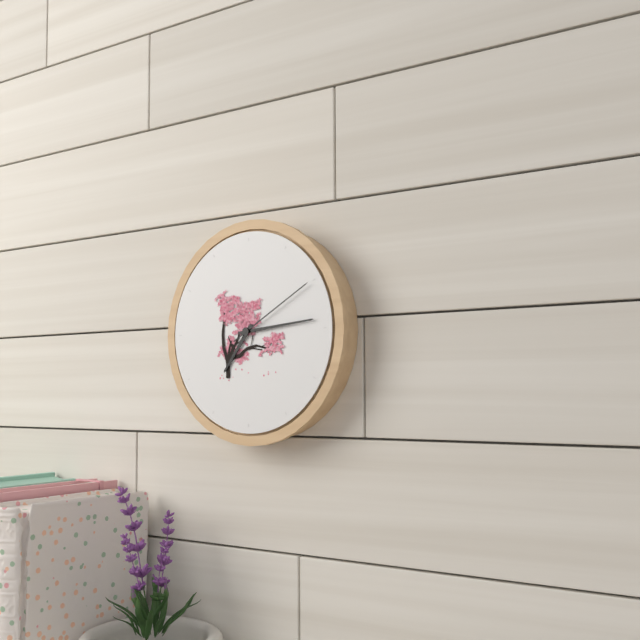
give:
7.14.10
